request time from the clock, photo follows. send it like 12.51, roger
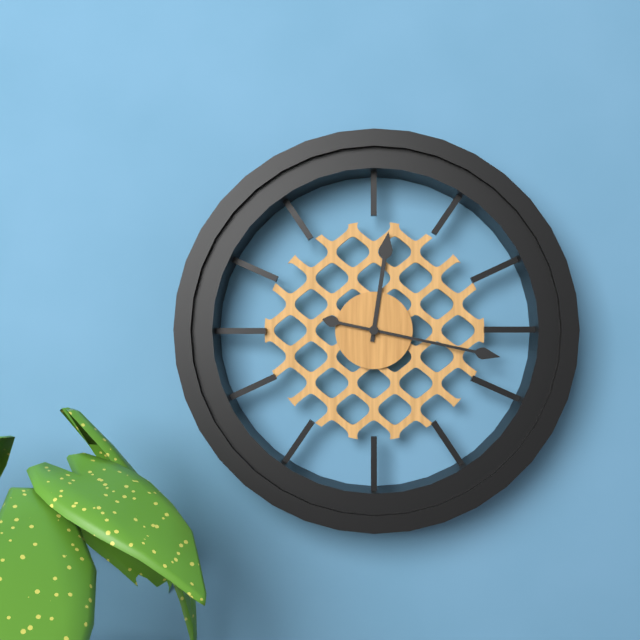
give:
12.17
